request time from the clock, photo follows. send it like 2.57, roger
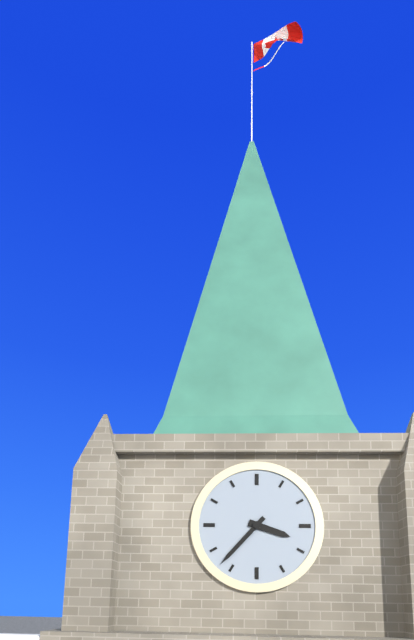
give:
3.37
